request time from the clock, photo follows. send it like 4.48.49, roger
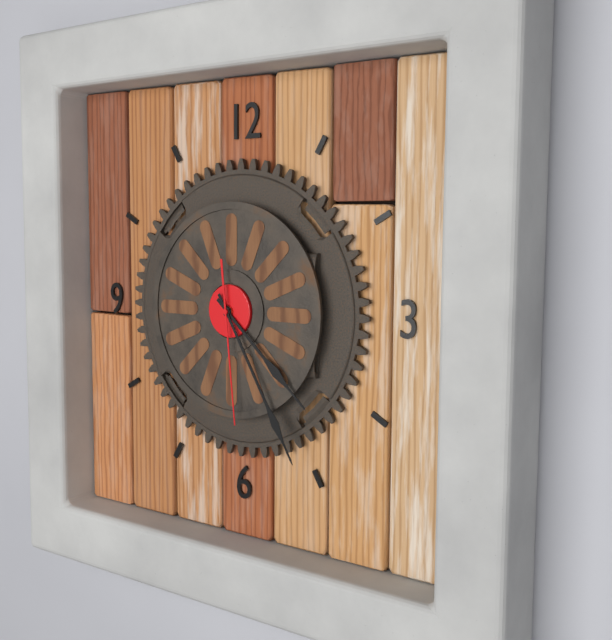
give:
4.25.29
